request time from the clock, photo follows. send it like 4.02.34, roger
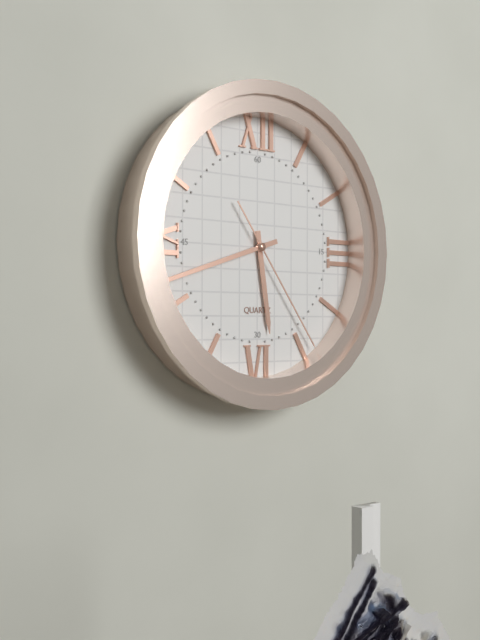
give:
5.42.24
